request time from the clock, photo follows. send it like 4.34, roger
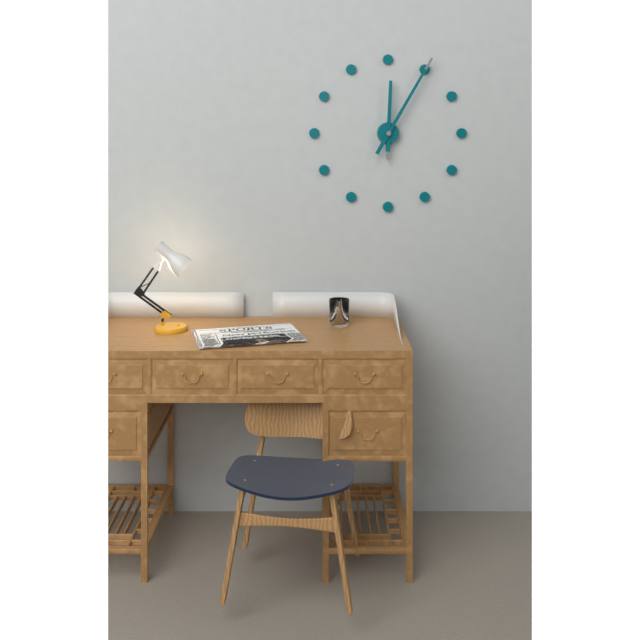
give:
12.05
